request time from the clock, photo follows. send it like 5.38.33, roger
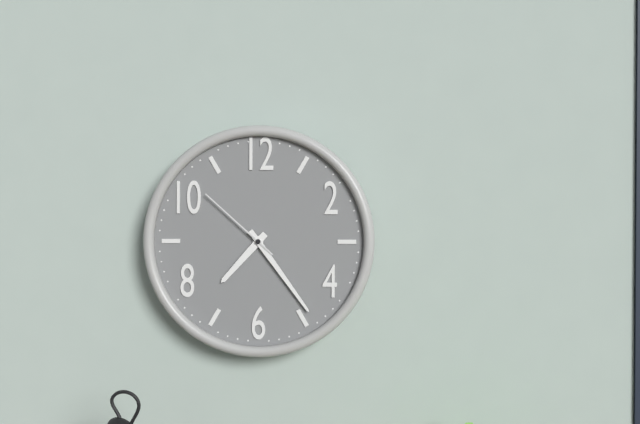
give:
7.24.52
